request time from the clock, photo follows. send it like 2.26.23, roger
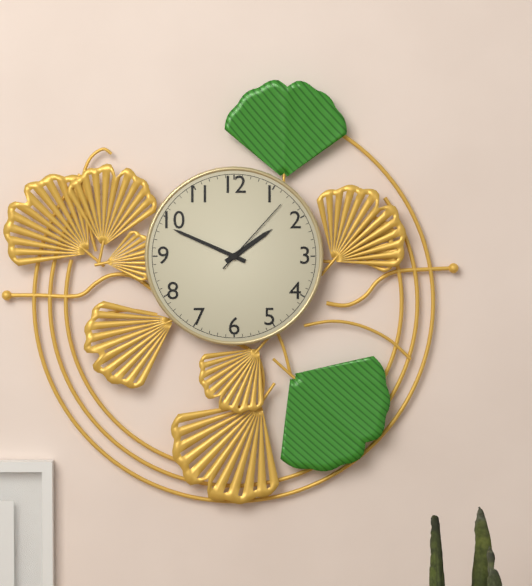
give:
1.49.07
